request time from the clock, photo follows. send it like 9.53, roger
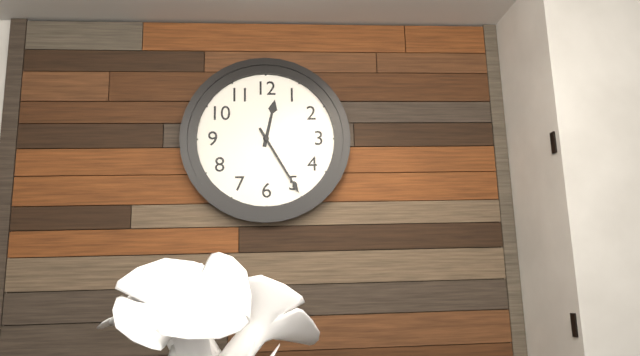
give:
12.25
